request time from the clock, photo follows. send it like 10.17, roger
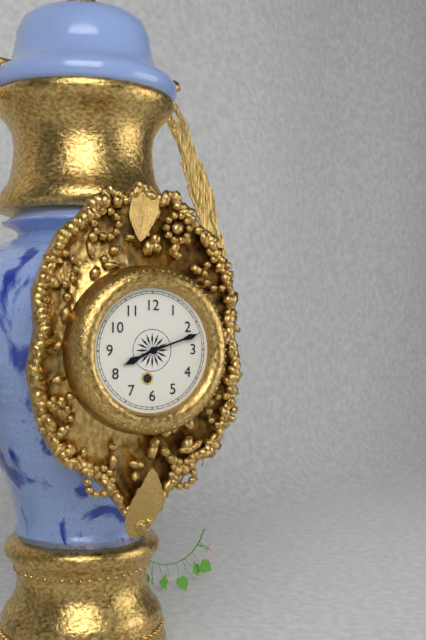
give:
8.12
